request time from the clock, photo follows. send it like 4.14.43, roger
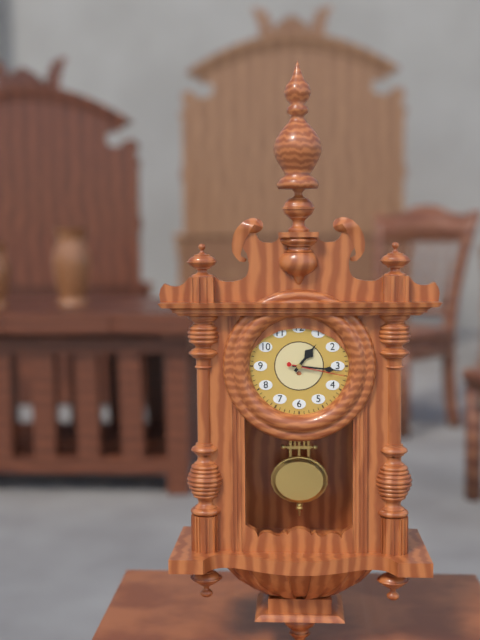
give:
1.16.17
